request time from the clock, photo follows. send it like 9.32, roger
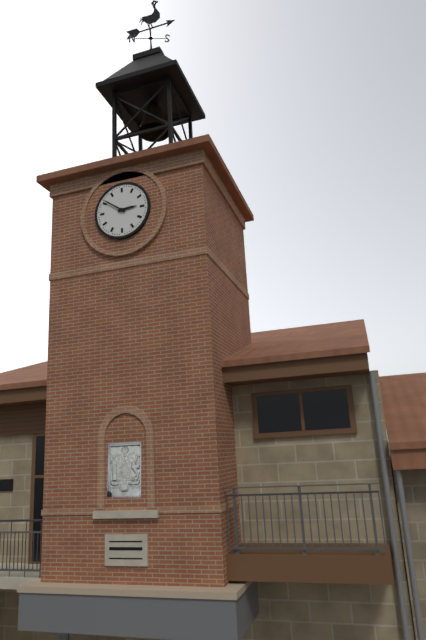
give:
2.51
